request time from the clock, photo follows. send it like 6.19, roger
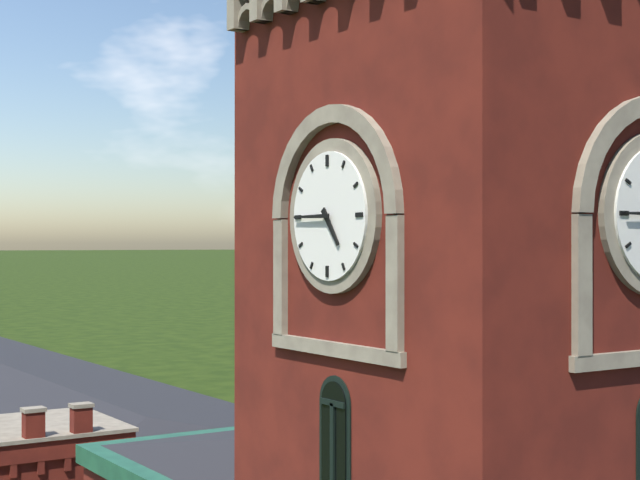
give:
4.45
